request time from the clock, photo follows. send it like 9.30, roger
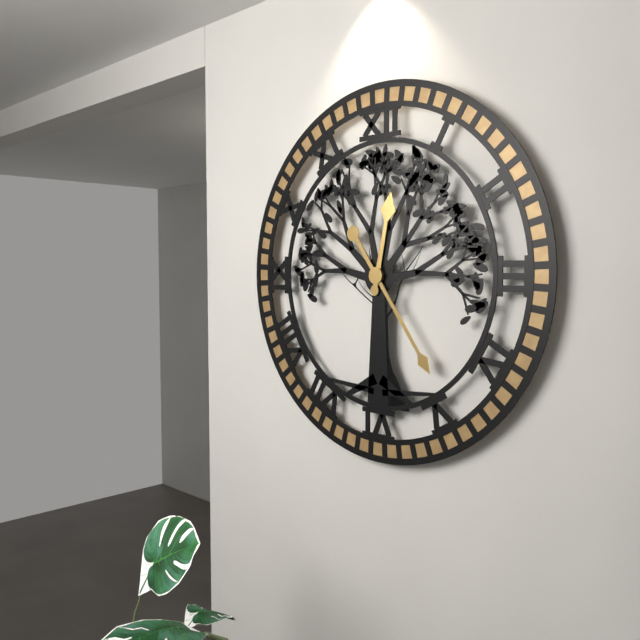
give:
12.24
